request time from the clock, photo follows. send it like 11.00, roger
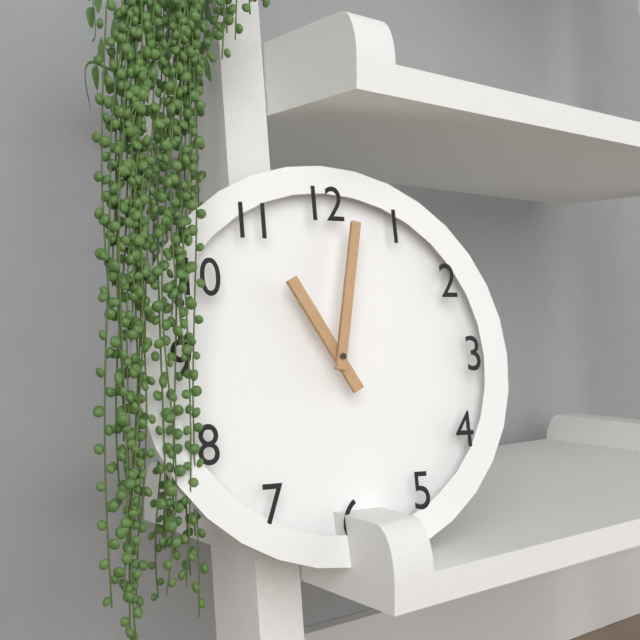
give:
11.02
